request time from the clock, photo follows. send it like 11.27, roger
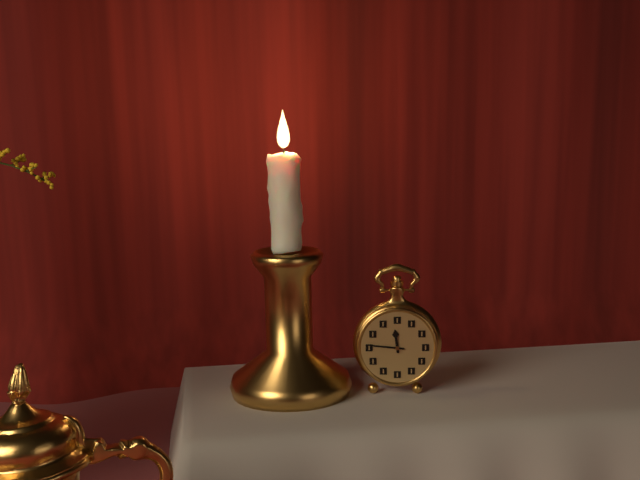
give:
11.46
